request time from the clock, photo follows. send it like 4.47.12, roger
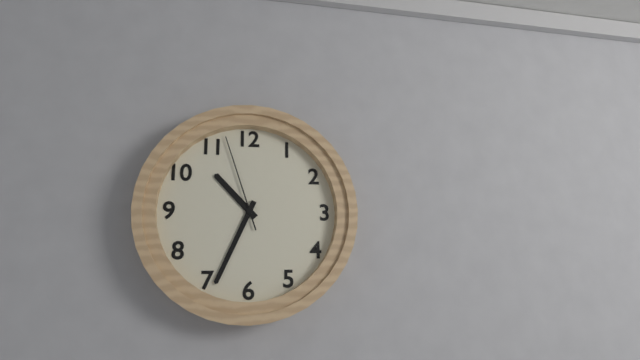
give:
10.34.57
